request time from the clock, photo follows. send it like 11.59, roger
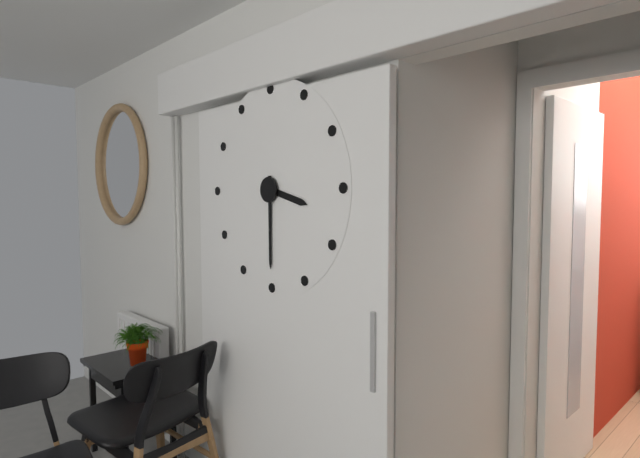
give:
3.30
